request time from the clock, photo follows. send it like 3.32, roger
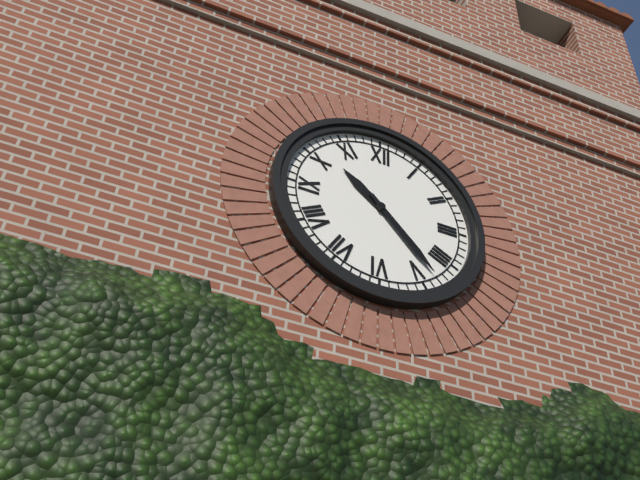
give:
10.23
